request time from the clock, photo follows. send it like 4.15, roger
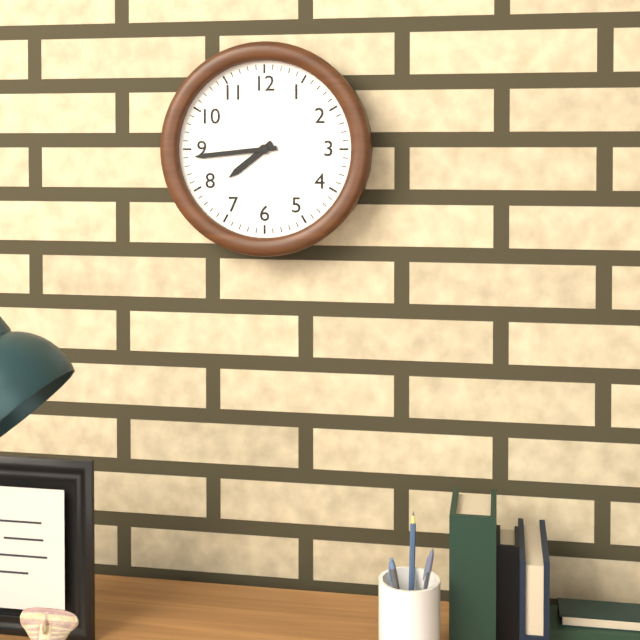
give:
7.44
